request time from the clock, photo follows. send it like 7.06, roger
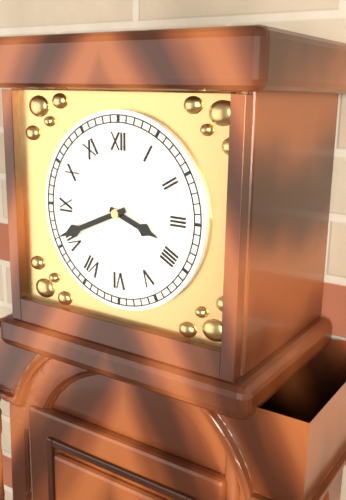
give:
3.41
